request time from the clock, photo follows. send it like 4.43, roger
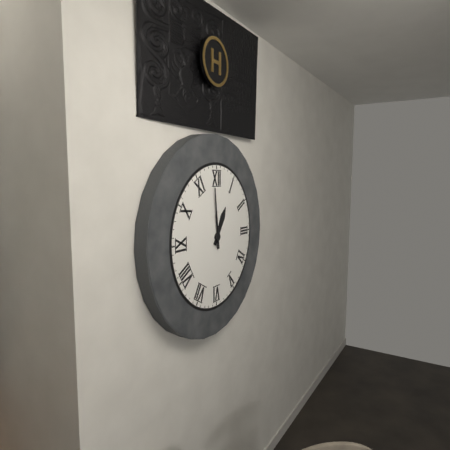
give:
12.59
